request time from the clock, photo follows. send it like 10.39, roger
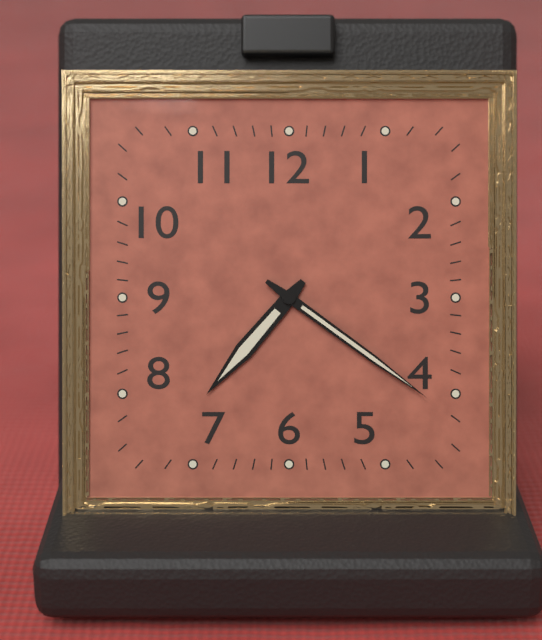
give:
7.21
